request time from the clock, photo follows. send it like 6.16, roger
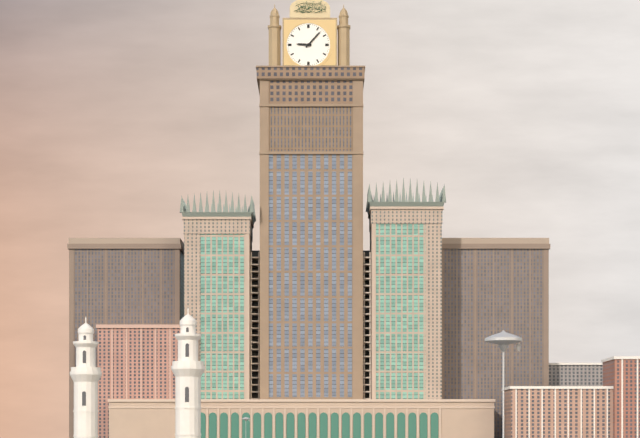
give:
9.07
